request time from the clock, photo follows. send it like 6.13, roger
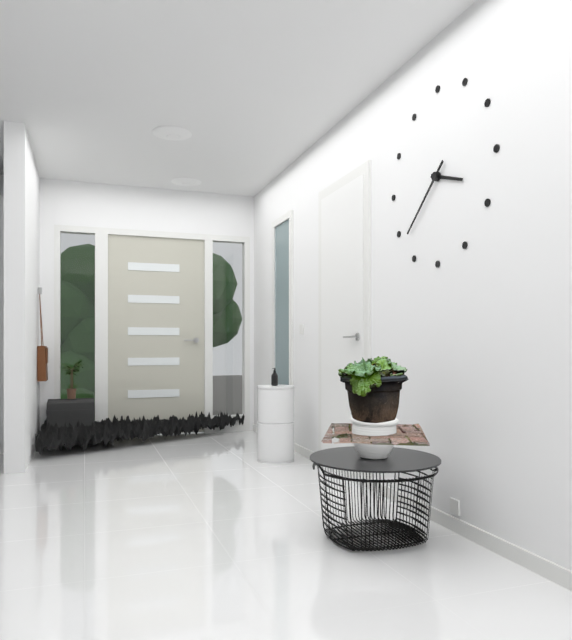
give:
3.38
